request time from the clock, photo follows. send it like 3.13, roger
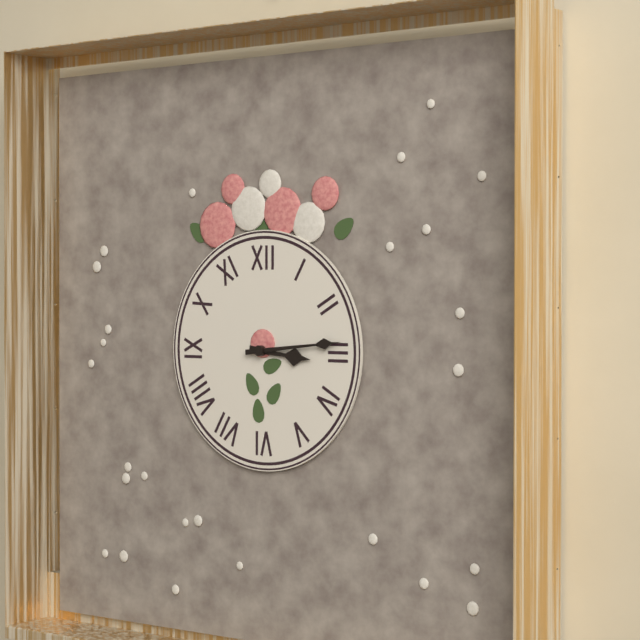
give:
3.14
